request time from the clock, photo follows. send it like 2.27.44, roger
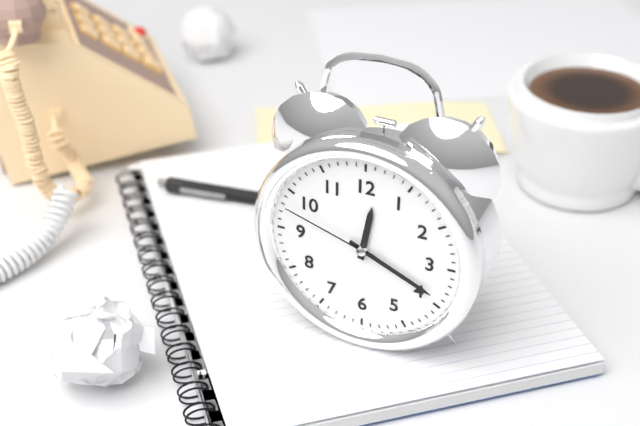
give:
12.19.48
